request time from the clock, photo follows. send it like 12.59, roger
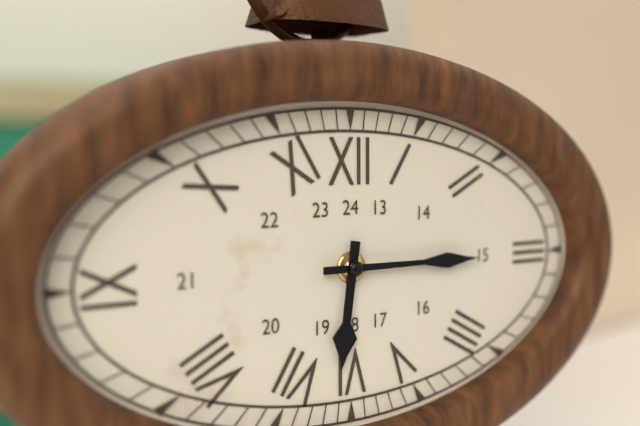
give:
6.15
